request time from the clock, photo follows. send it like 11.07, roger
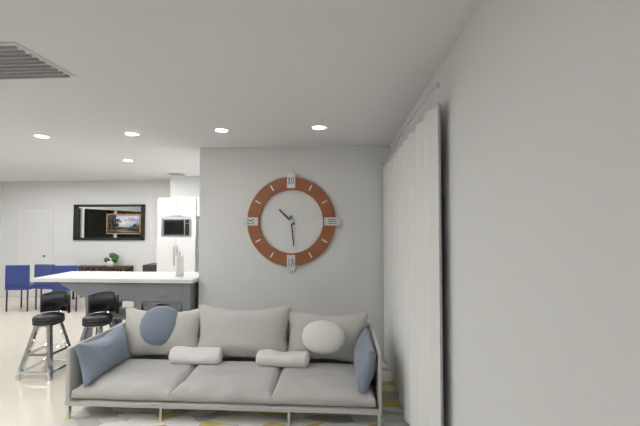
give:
10.29
